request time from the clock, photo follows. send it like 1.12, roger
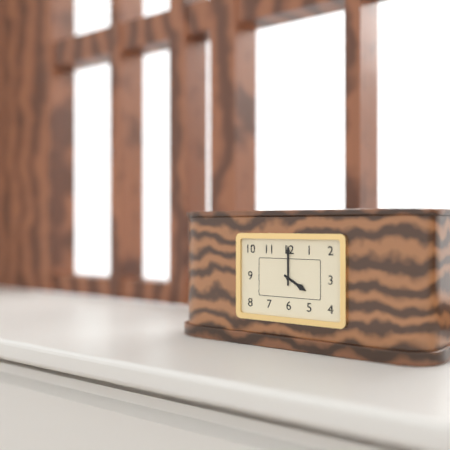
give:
4.00
